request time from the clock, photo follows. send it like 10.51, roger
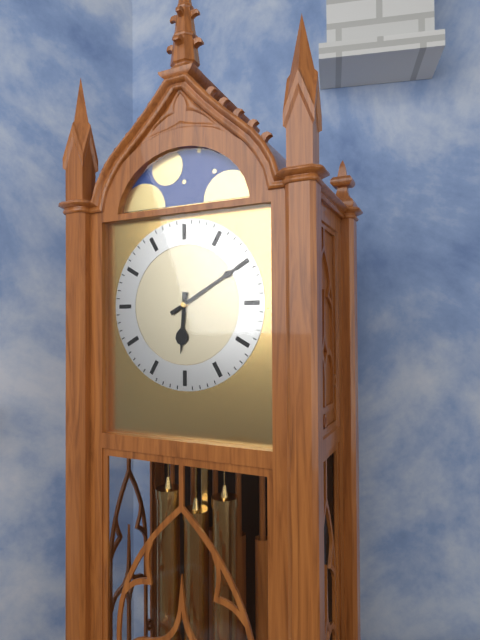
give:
6.10
